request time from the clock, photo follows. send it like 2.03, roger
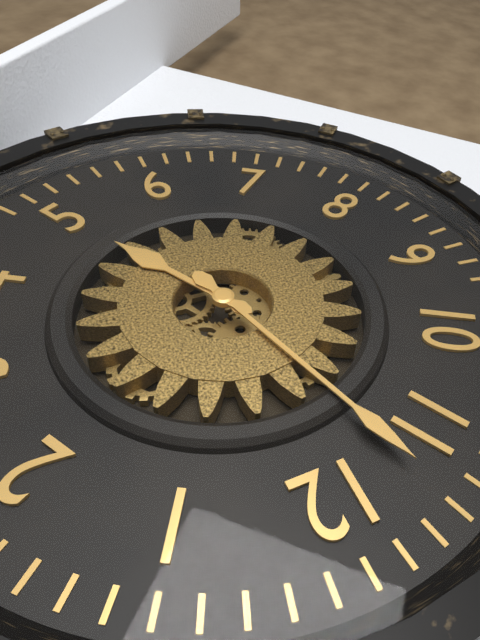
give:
4.57
